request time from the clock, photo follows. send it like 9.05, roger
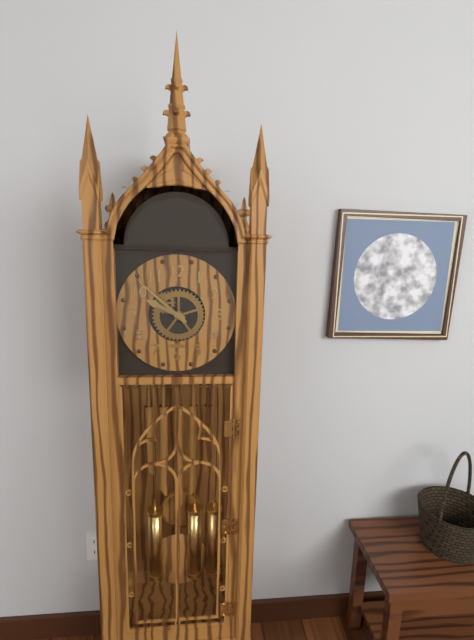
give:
9.52
